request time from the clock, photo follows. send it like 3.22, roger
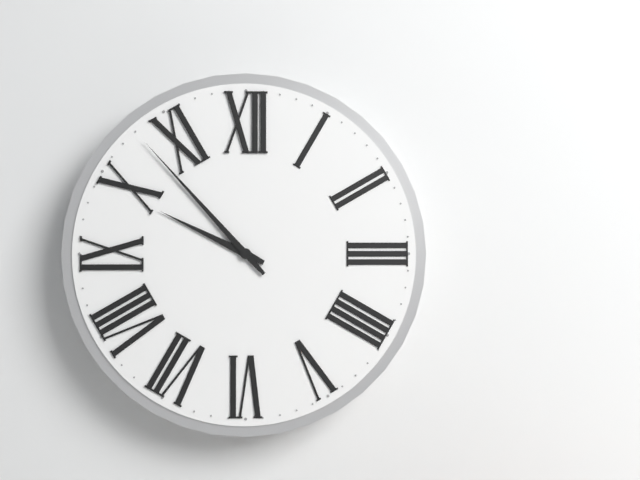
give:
9.53
